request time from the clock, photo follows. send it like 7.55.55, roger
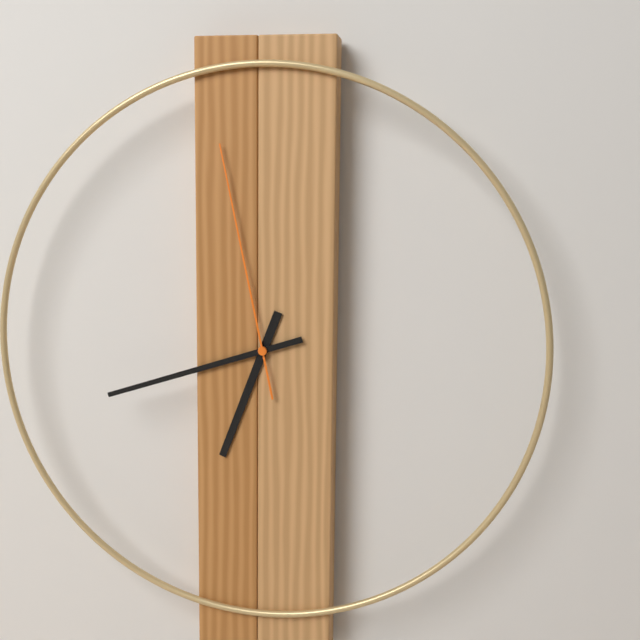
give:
6.42.58
